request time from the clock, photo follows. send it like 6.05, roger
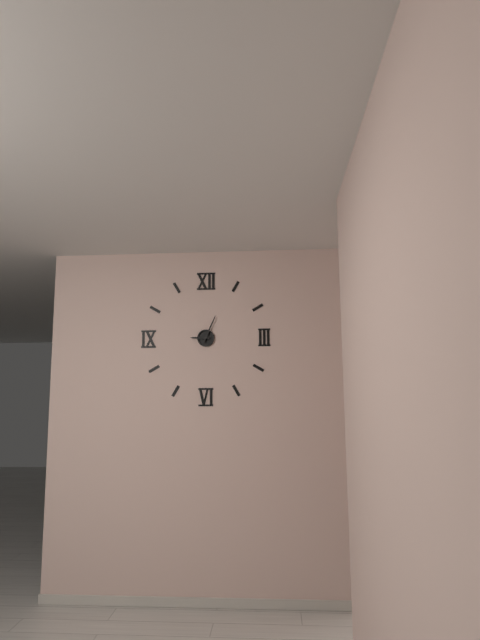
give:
9.04
